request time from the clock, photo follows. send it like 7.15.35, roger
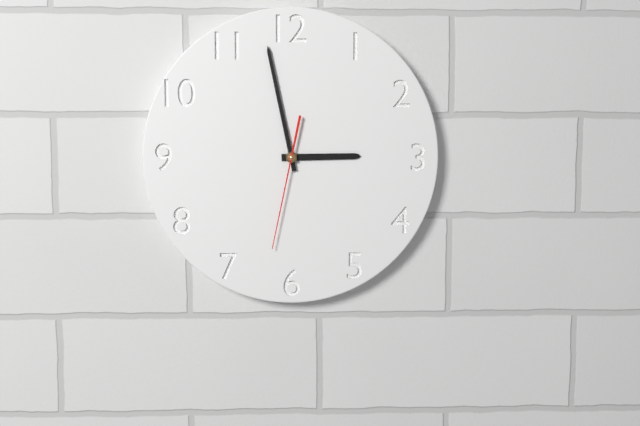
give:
2.58.32
